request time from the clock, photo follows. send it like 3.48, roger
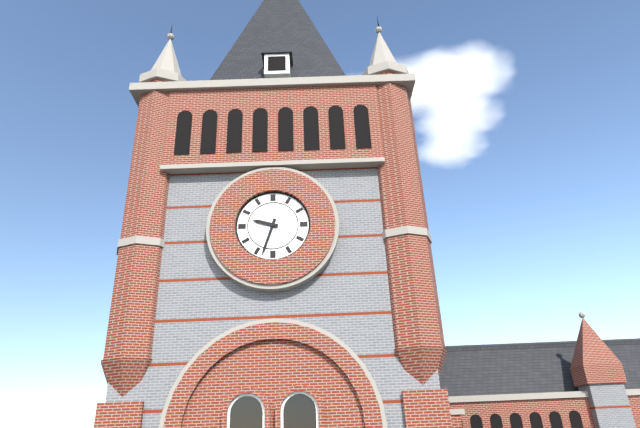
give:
9.33
